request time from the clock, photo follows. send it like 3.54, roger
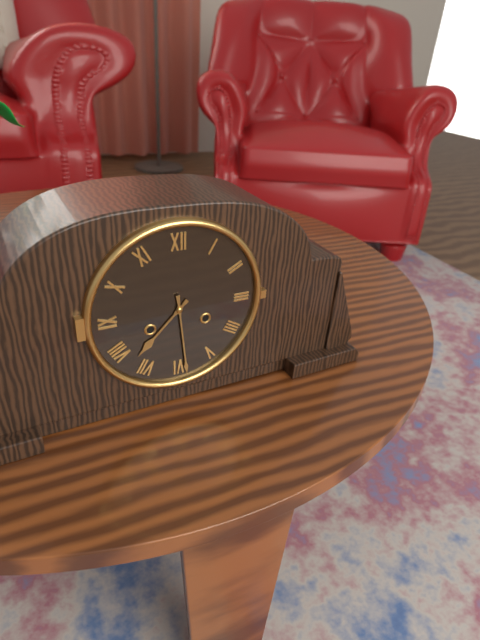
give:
7.29
